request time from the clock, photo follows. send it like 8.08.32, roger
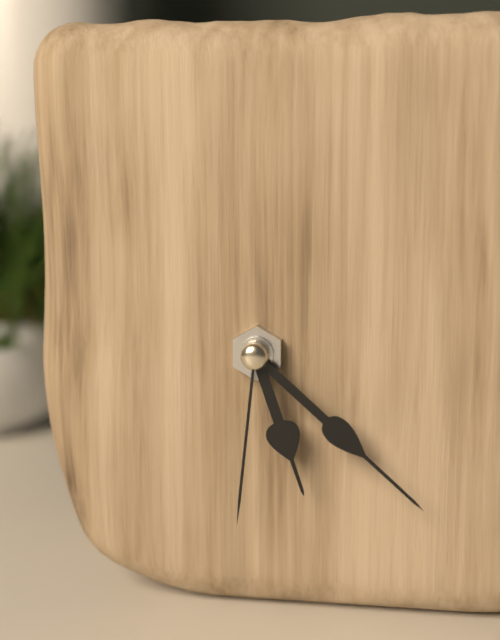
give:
5.22.31
